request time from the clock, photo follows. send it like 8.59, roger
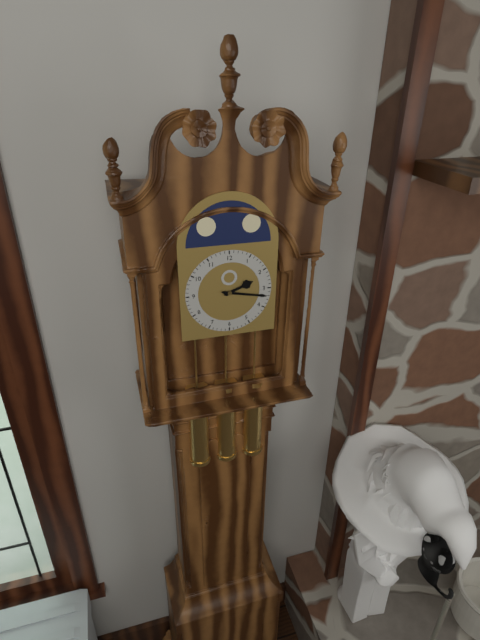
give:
2.17
